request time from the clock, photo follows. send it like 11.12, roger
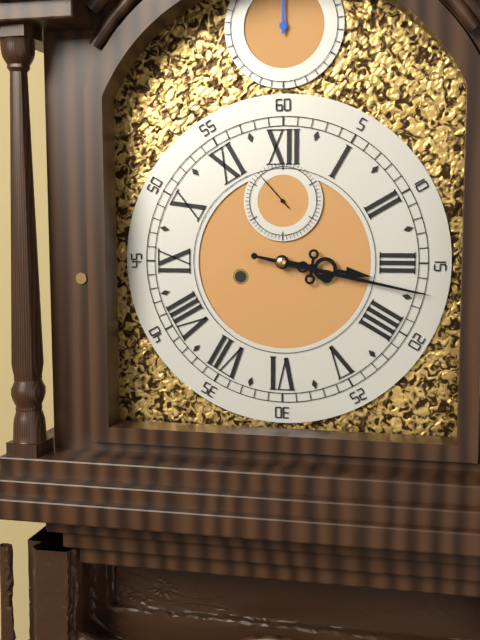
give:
3.17
